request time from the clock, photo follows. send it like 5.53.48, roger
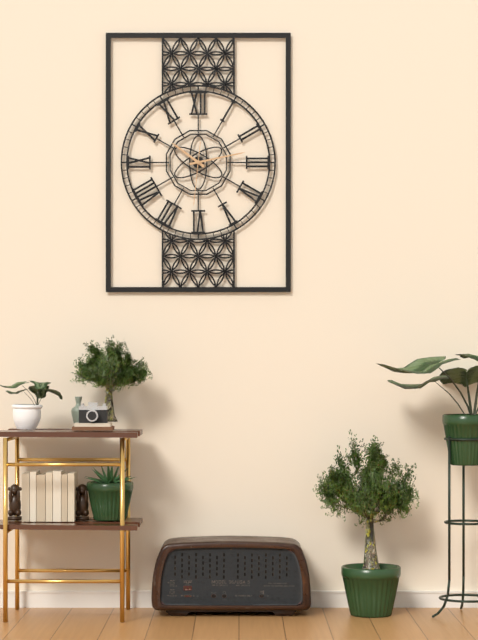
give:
10.13.31
